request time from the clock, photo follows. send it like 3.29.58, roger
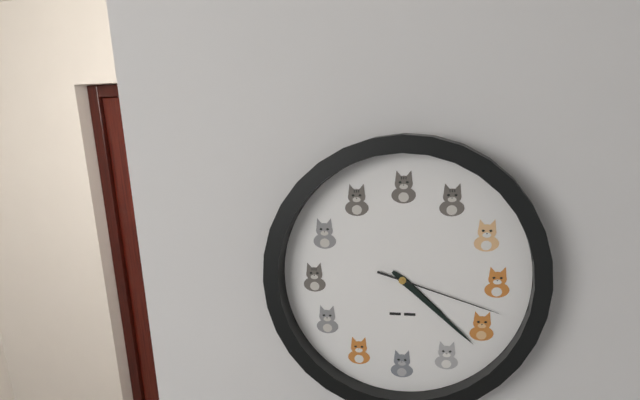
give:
4.22.18
